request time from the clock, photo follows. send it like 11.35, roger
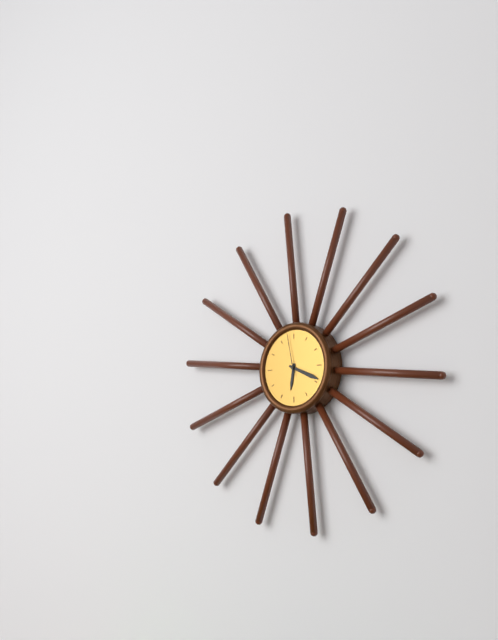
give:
6.19
